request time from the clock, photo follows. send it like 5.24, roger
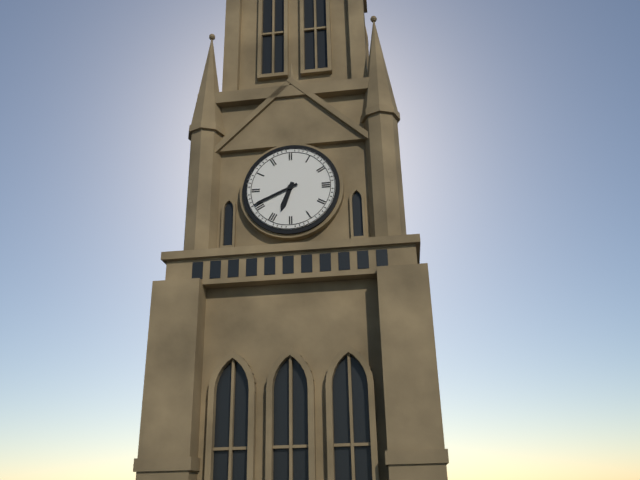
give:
6.41
